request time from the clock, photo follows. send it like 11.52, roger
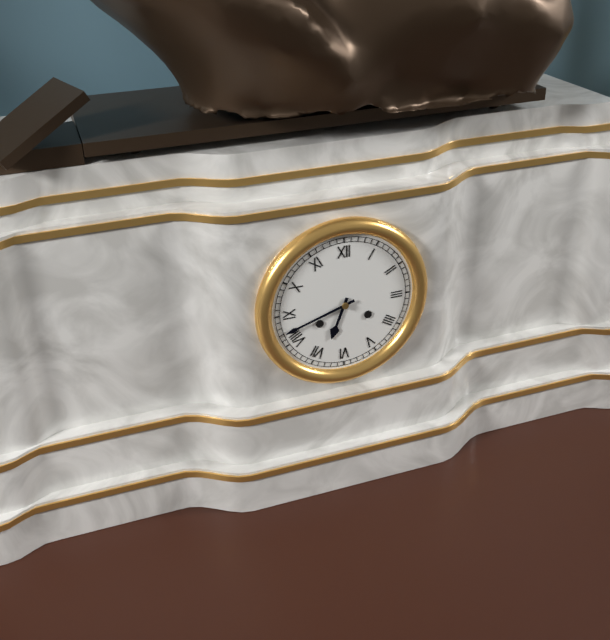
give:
6.42
